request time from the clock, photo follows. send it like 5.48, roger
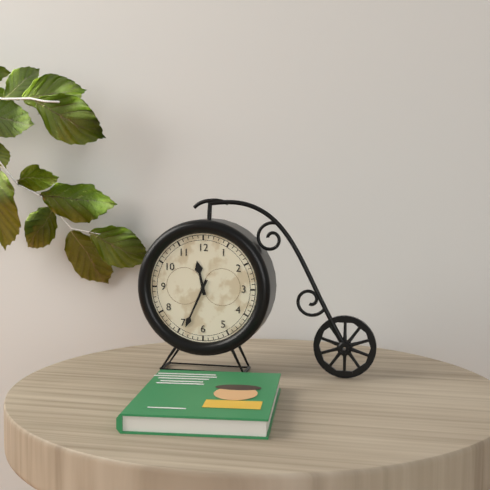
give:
11.34
